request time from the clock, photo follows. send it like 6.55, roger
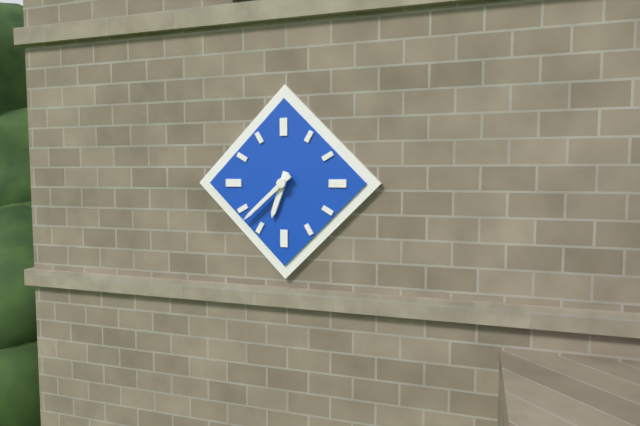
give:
6.38
